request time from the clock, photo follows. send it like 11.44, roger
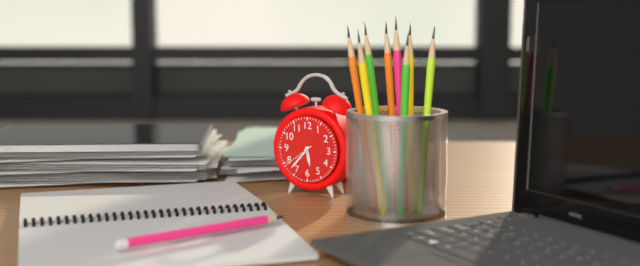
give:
5.37
